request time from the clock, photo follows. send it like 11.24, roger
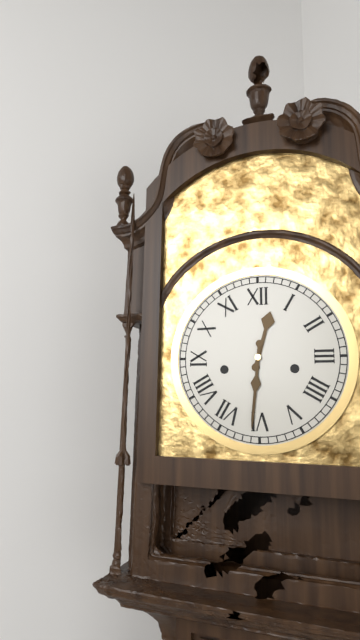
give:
12.31
